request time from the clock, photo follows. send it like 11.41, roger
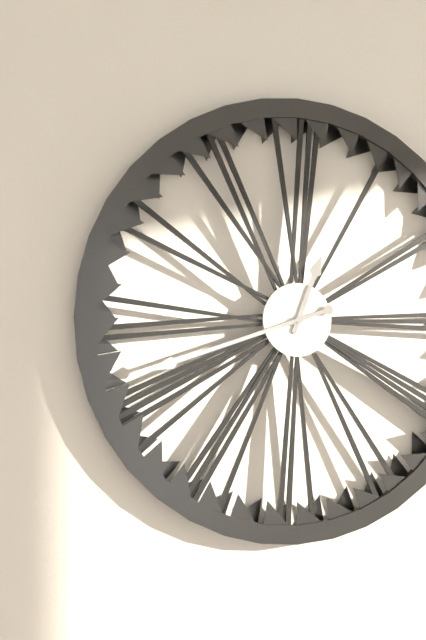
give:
12.42
